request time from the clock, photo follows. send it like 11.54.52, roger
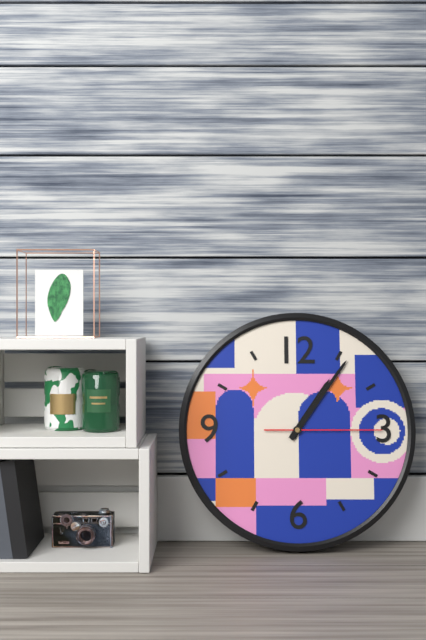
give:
1.06.15
